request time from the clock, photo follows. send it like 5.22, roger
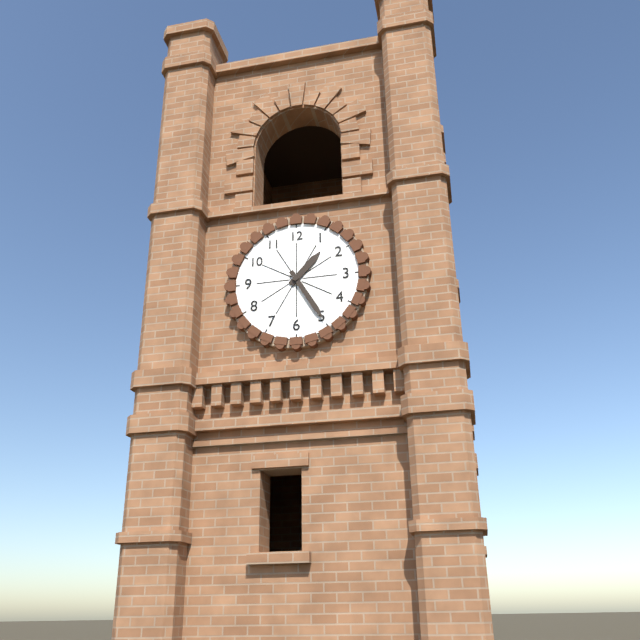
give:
1.25
